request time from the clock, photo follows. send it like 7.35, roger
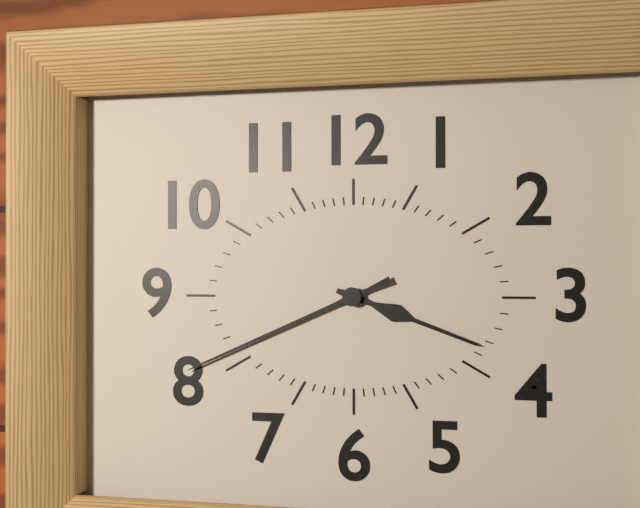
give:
3.41
